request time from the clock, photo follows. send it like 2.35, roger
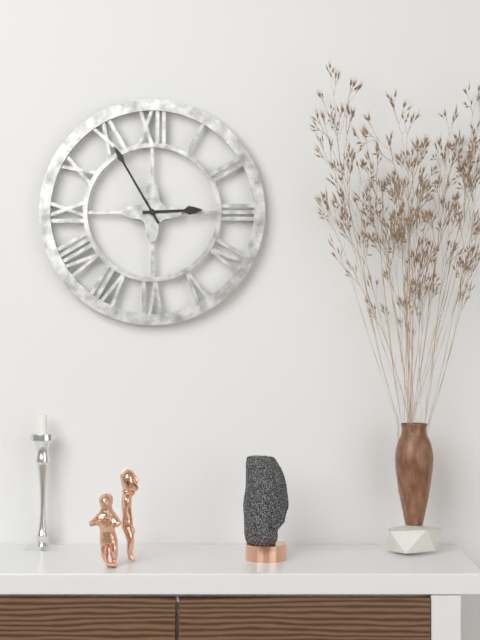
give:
2.55
